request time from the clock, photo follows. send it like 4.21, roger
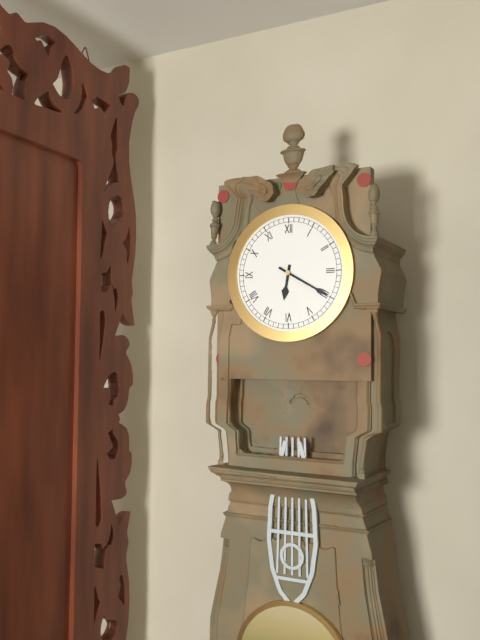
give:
6.20
